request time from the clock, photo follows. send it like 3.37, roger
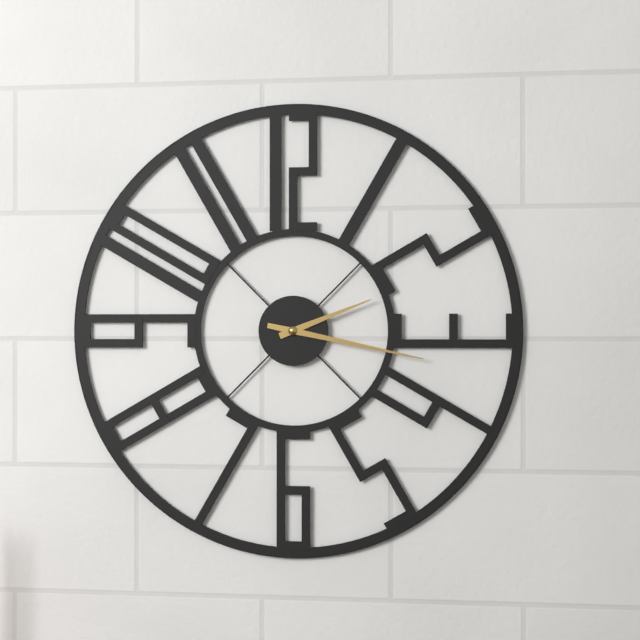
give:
2.17
